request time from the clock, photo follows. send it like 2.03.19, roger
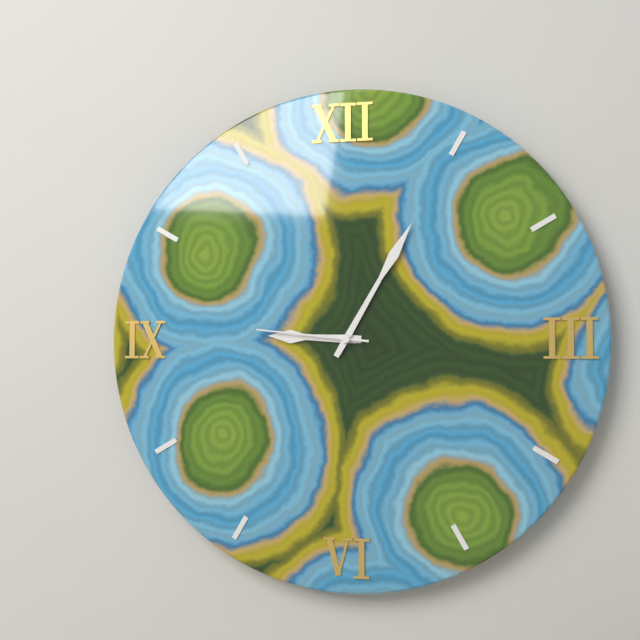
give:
9.05.46
